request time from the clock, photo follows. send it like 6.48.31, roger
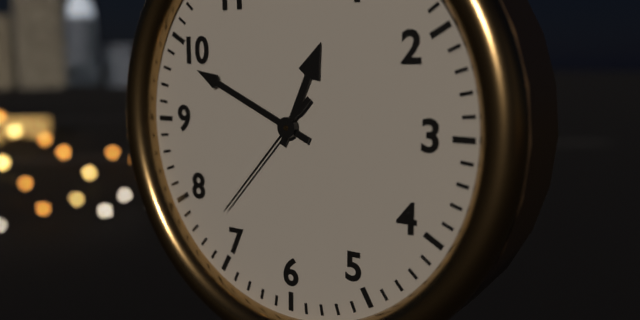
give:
12.49.37
